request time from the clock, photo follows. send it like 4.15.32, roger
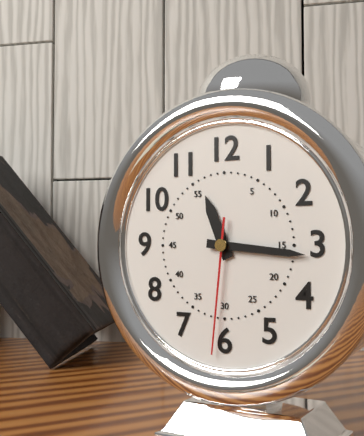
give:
11.16.31
